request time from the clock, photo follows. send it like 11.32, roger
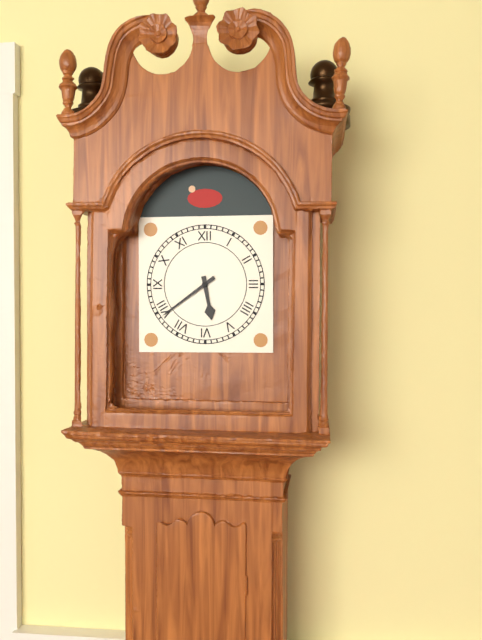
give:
5.39
